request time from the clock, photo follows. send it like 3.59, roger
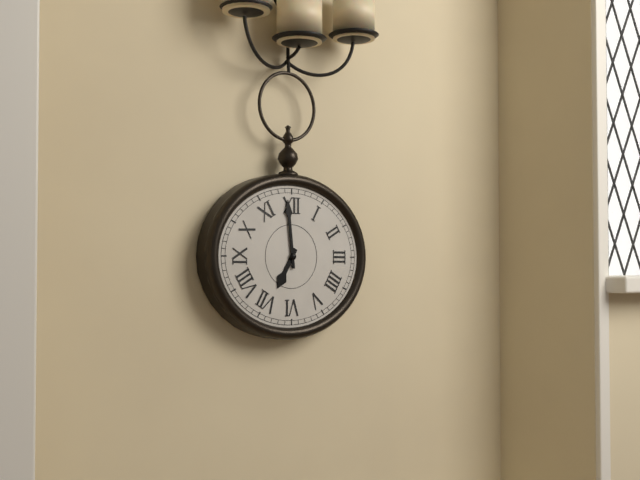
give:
6.59
